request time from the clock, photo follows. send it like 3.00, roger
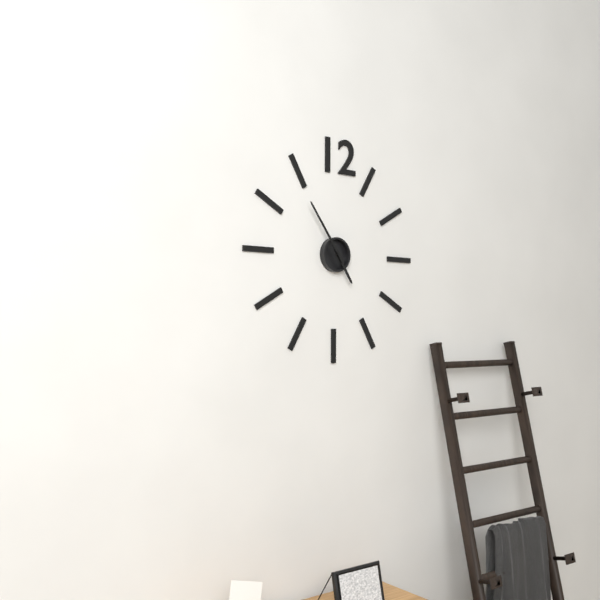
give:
4.54
